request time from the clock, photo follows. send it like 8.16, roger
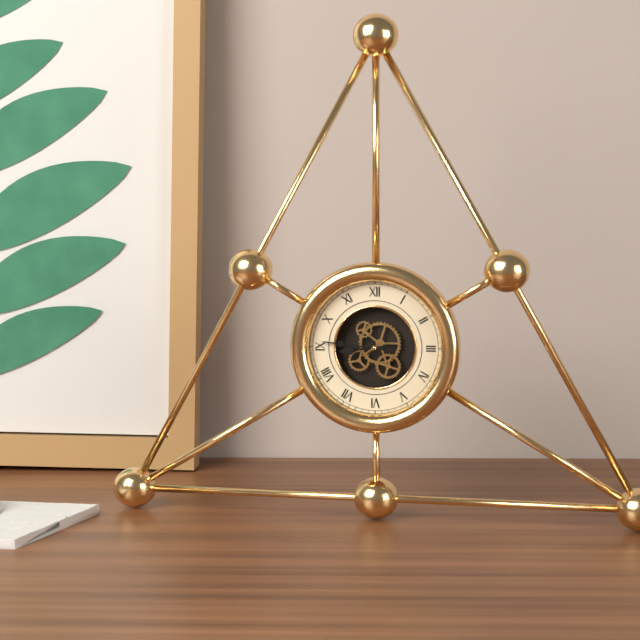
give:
8.46
